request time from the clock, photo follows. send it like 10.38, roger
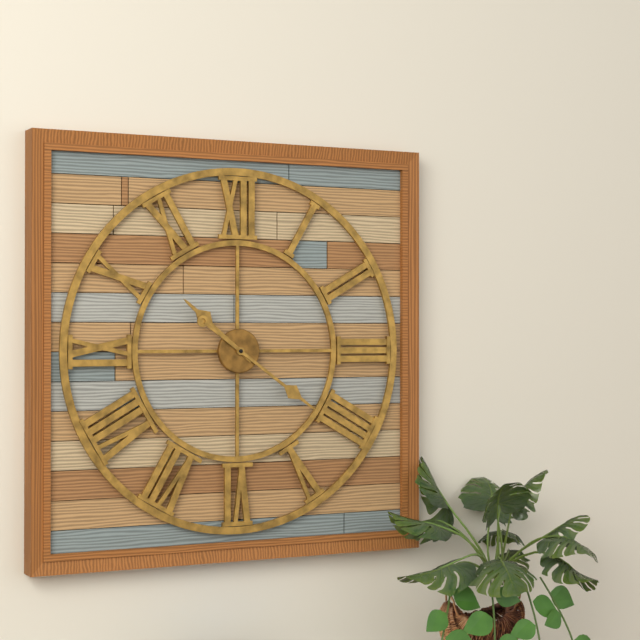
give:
10.21
